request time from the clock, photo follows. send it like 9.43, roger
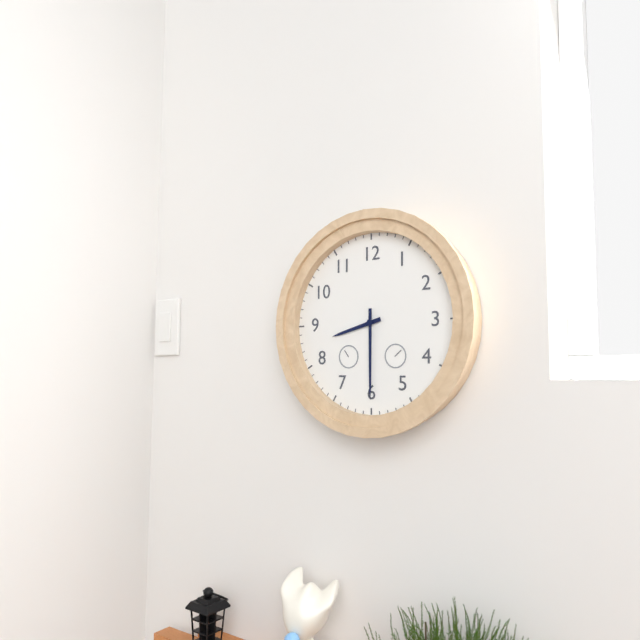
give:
8.30
